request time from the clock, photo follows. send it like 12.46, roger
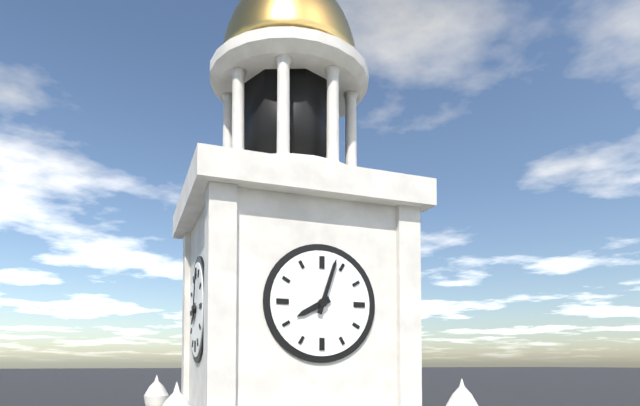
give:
8.03
